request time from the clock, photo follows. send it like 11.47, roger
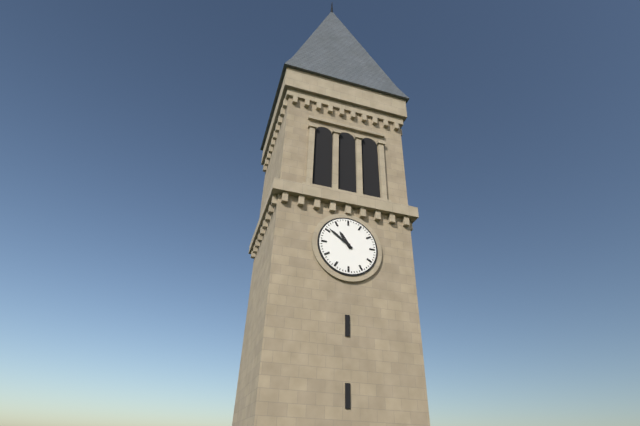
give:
10.51
